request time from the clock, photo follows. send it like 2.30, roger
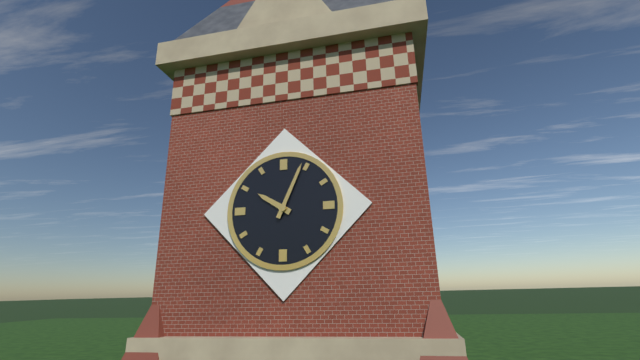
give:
10.04
